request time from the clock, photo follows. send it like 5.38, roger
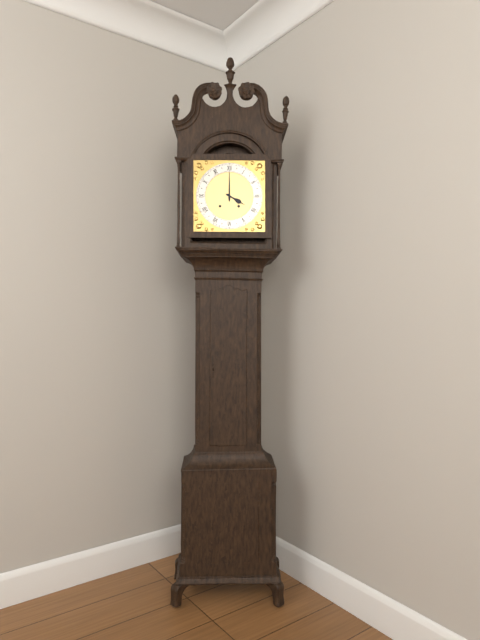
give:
4.00
